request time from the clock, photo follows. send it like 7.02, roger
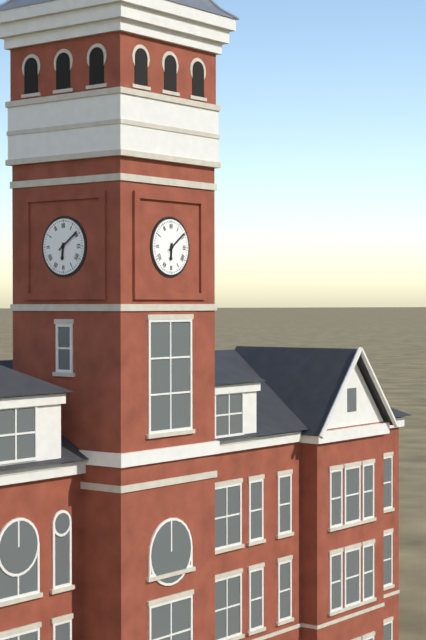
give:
6.09
